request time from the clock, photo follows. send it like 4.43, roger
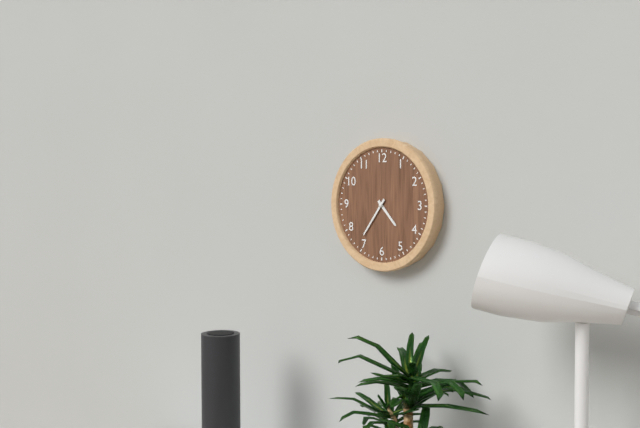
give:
4.36
